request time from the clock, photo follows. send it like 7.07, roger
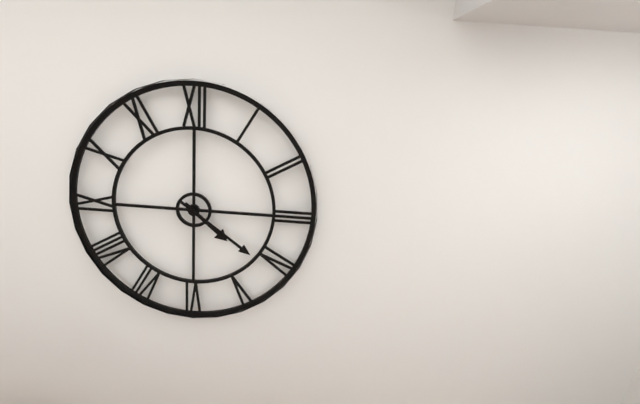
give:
4.21
